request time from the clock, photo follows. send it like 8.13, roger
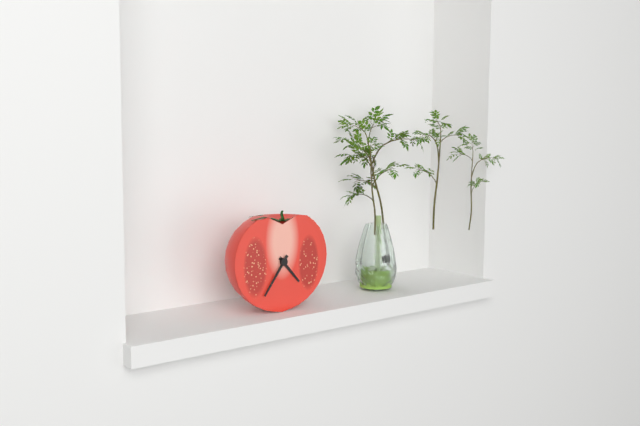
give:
4.36
